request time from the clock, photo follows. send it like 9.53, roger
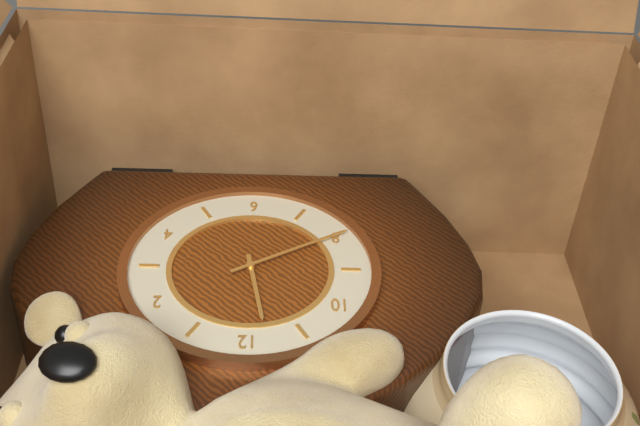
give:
11.40
